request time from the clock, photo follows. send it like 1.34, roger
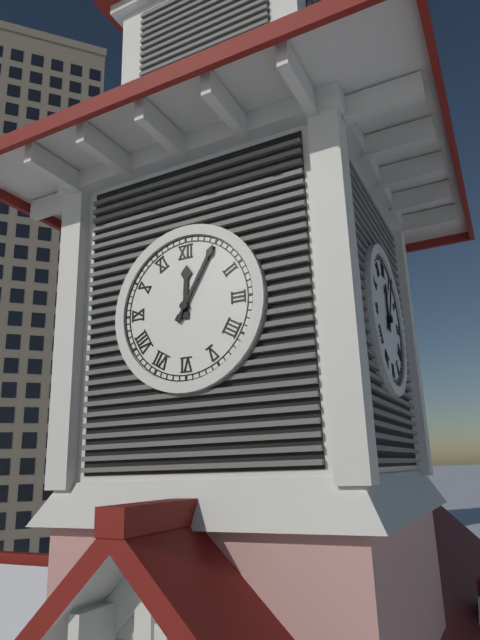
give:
12.05
